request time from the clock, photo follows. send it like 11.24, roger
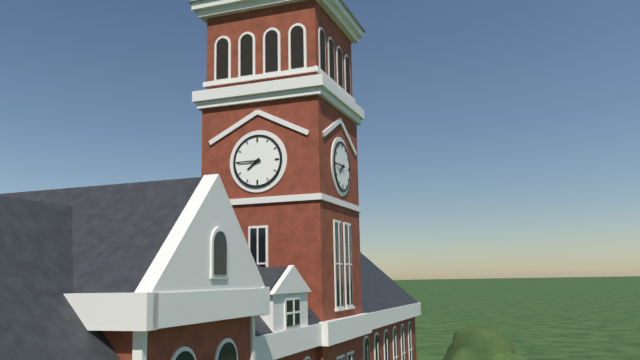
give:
7.45
